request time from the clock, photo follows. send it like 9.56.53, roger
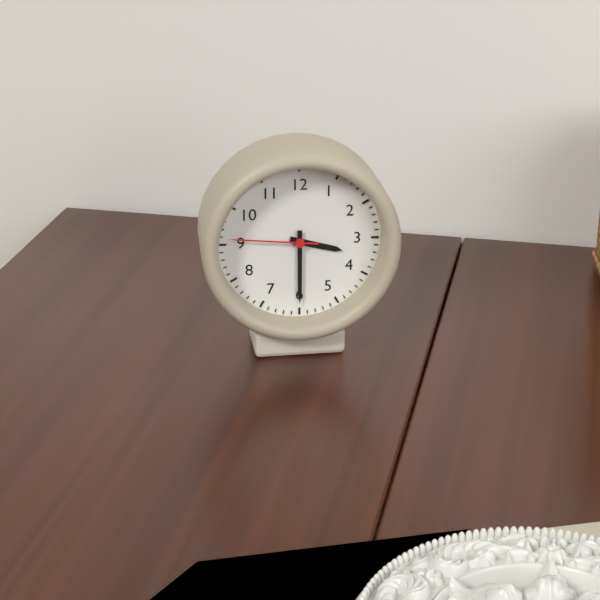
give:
3.30.46
